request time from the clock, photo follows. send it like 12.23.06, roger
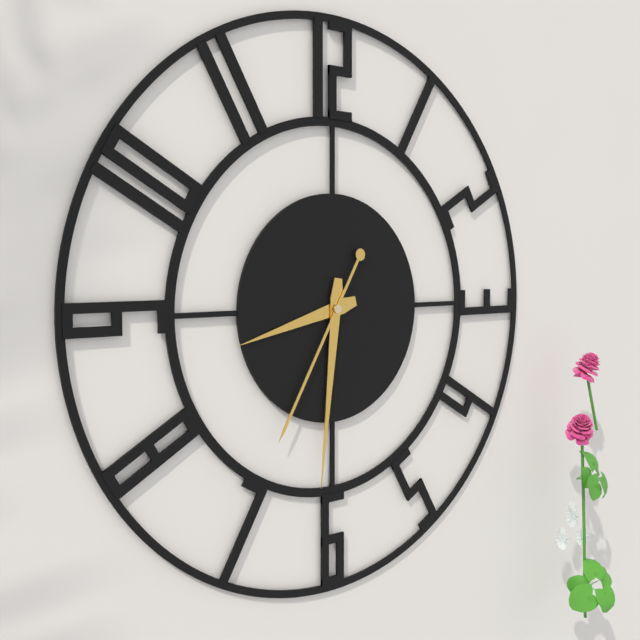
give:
8.31.35
